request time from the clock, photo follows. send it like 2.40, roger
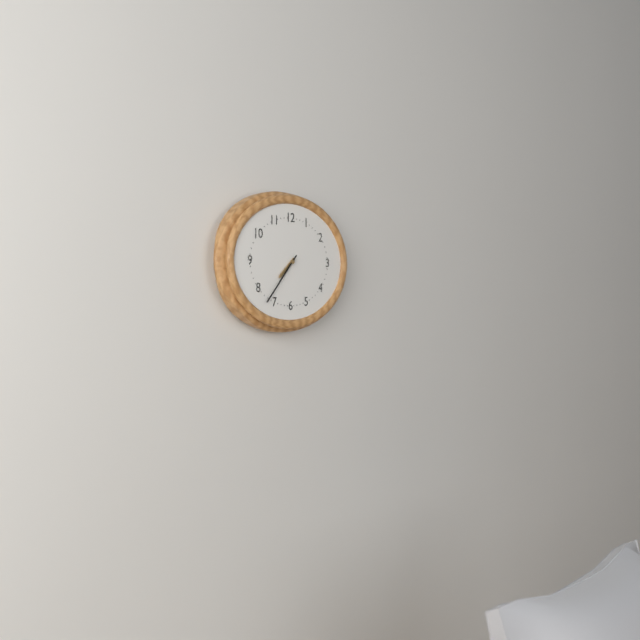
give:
7.37
